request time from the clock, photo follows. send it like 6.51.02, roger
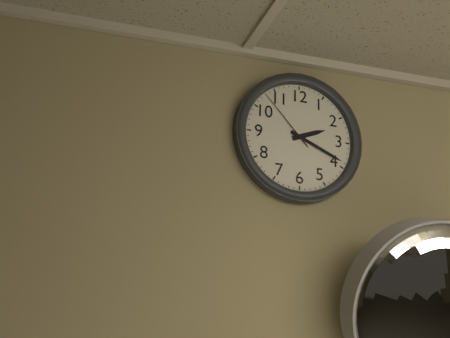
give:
2.19.53
